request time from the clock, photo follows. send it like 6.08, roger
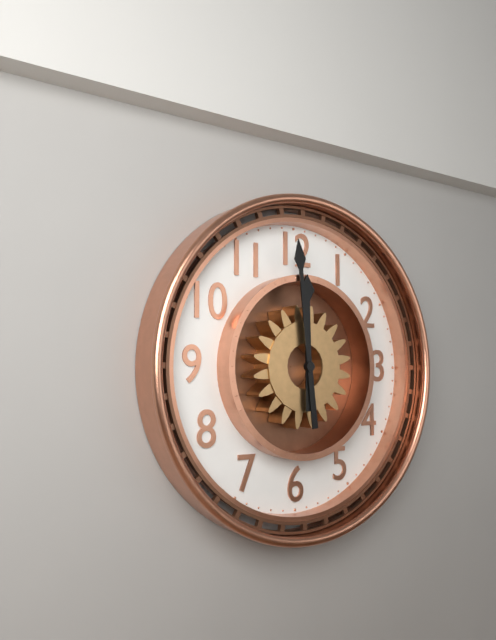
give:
11.59
